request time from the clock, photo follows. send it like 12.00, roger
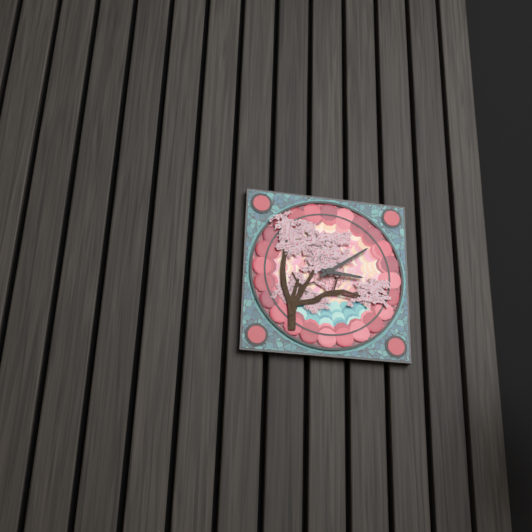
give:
3.09
